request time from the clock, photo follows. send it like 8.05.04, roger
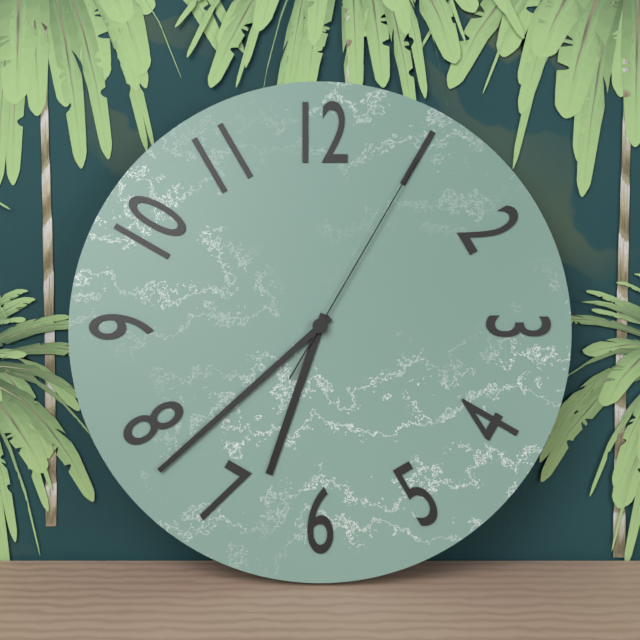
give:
6.38.05
